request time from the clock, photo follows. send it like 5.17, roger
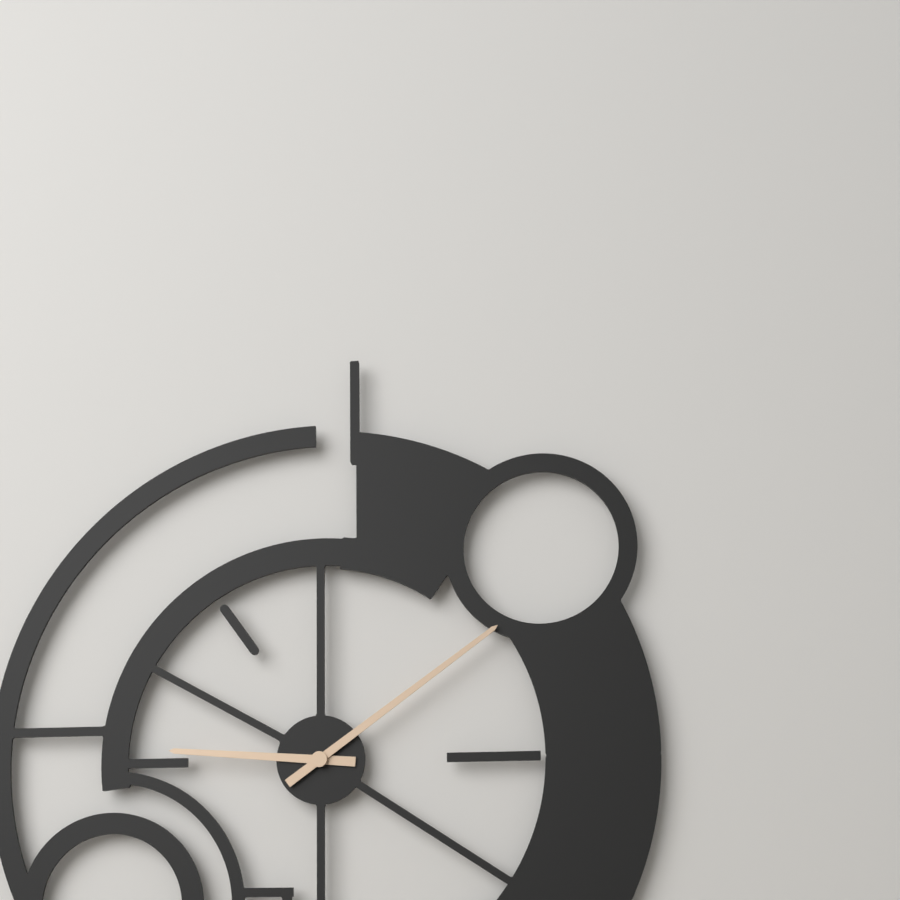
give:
9.09
